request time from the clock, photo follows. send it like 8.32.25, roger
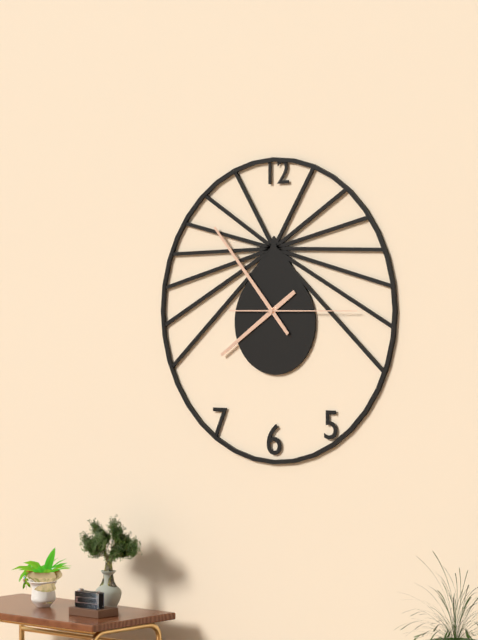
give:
7.53.15
